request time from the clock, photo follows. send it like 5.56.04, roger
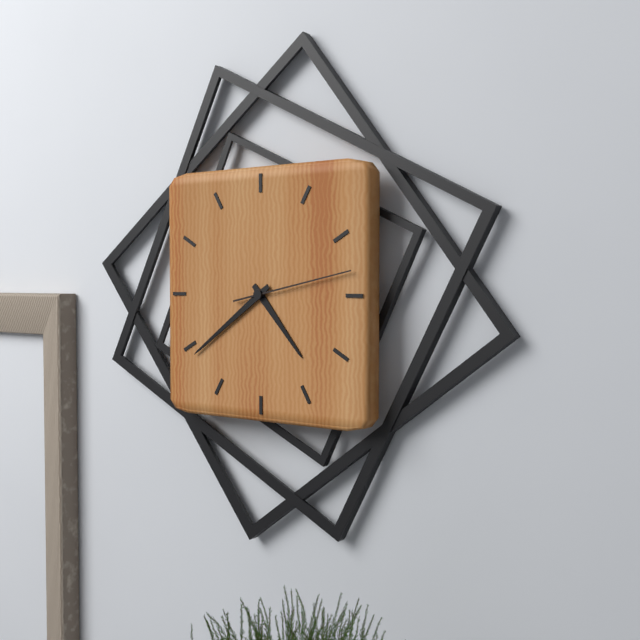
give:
4.39.13
